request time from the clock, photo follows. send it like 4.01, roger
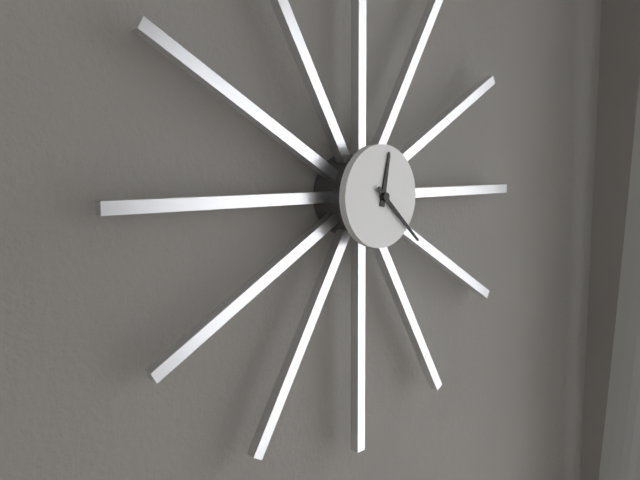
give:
12.22
